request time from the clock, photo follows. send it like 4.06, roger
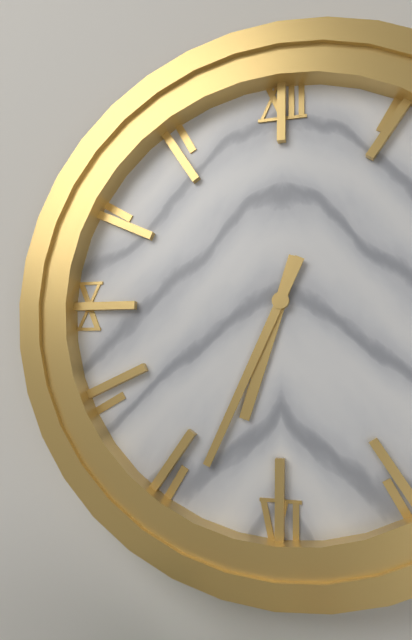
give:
6.34
